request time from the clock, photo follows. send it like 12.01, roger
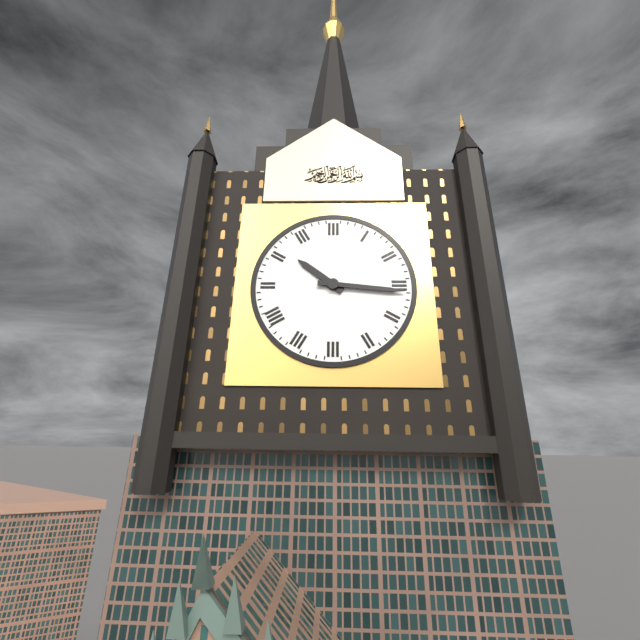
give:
10.16
